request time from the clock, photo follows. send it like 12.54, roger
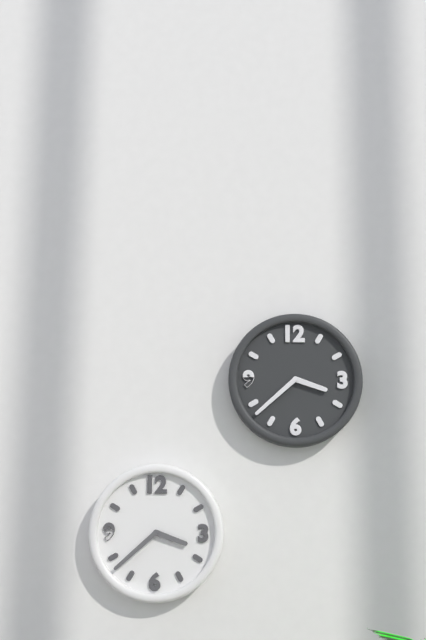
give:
3.38
